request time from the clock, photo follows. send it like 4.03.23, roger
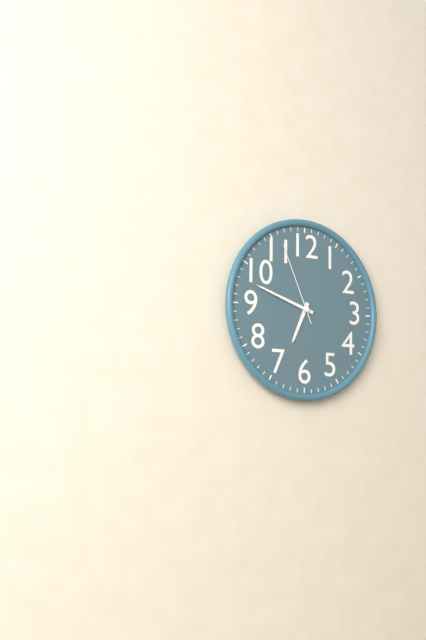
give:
6.48.56
